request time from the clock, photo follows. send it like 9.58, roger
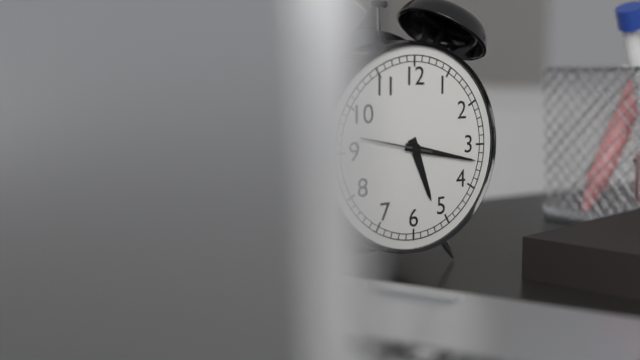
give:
5.17
